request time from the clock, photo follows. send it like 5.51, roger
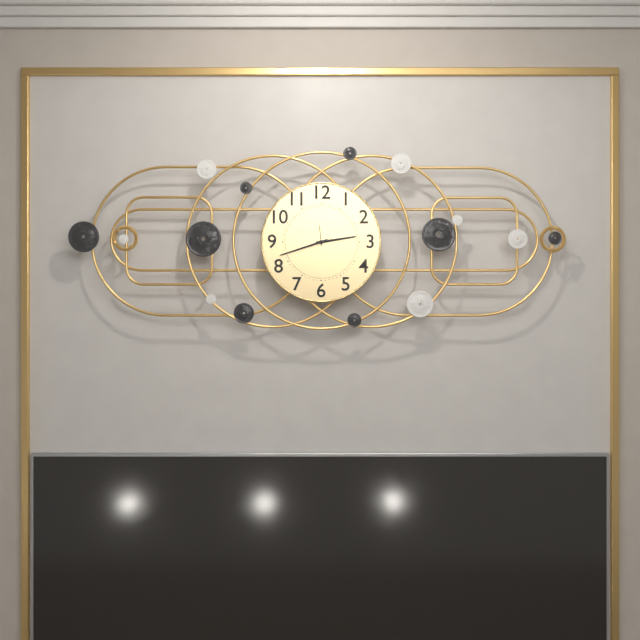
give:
2.42
